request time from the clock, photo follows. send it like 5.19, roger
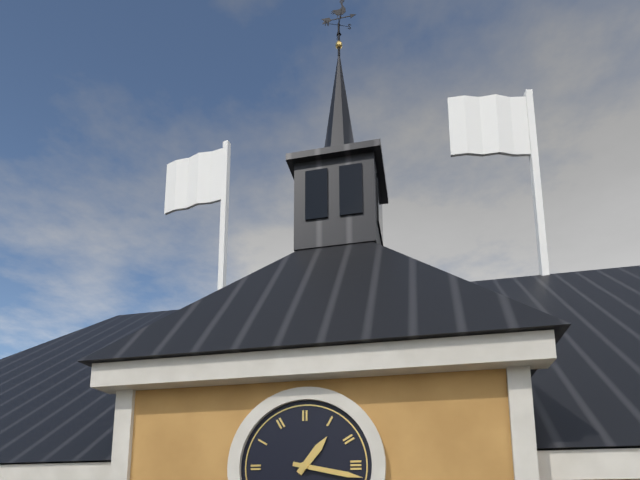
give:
1.17
